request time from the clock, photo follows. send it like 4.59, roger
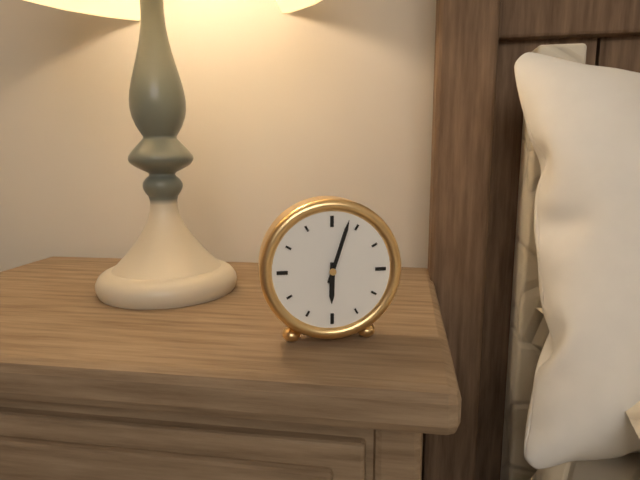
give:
6.03
